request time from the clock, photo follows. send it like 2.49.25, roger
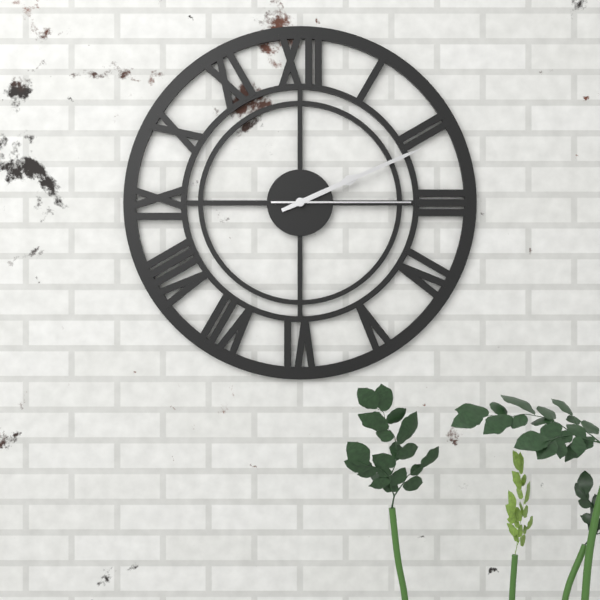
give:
2.11.15
